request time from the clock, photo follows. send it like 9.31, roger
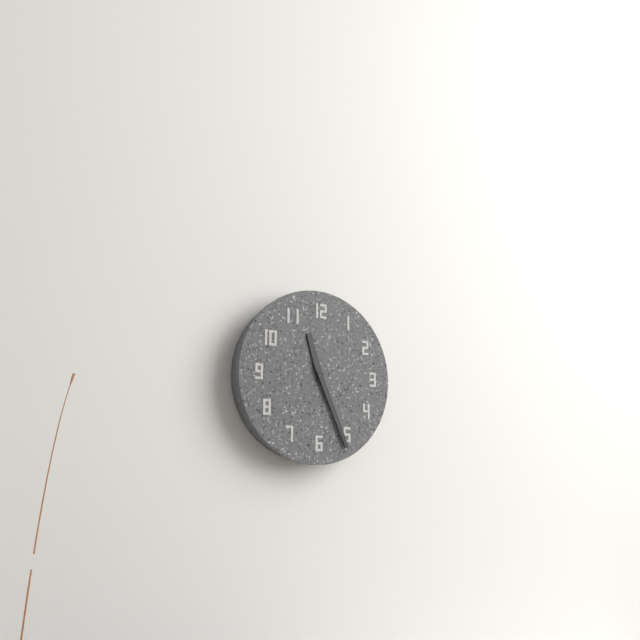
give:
11.26
